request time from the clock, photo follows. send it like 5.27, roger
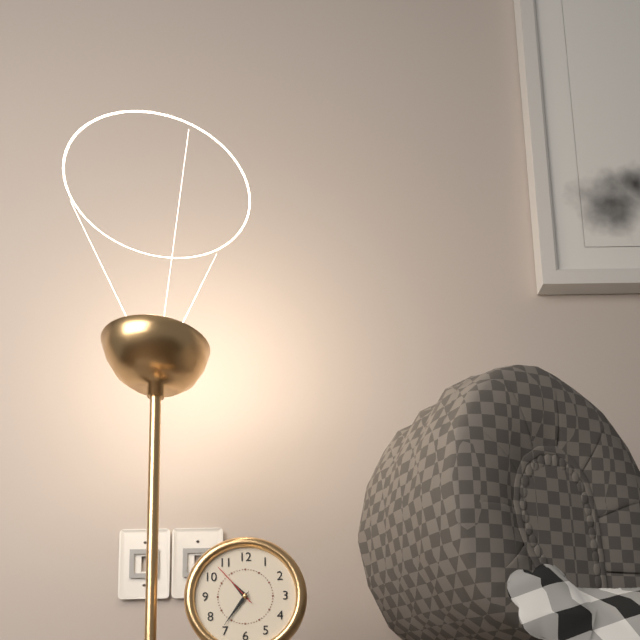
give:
10.36
